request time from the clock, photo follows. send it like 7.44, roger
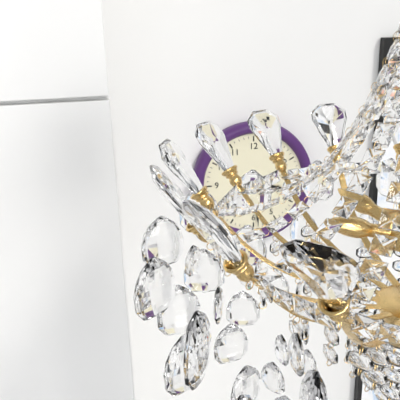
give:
3.29
